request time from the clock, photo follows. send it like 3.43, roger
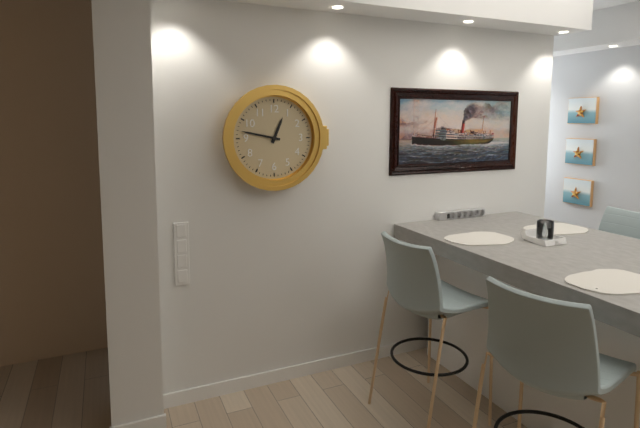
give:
12.47
